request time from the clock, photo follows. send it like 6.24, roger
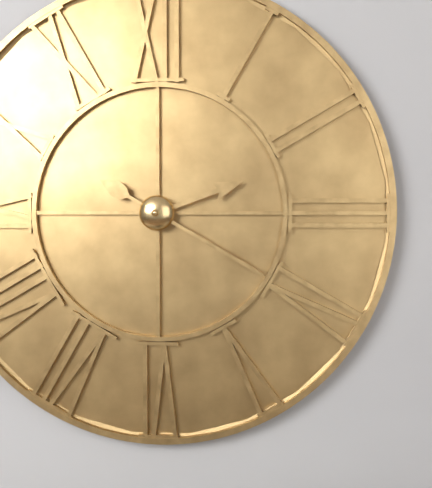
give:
2.20
